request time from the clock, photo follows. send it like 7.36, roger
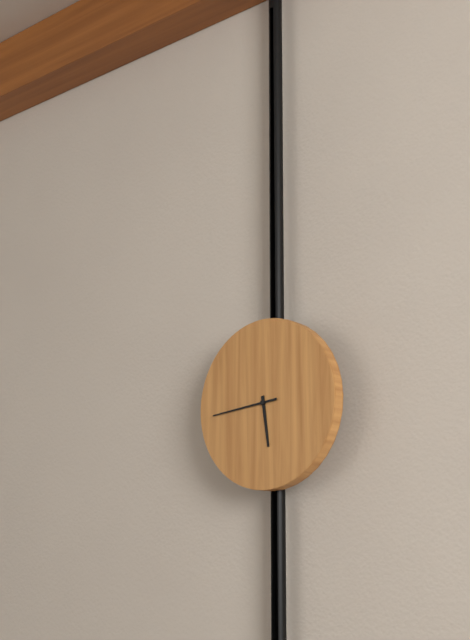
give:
5.44
